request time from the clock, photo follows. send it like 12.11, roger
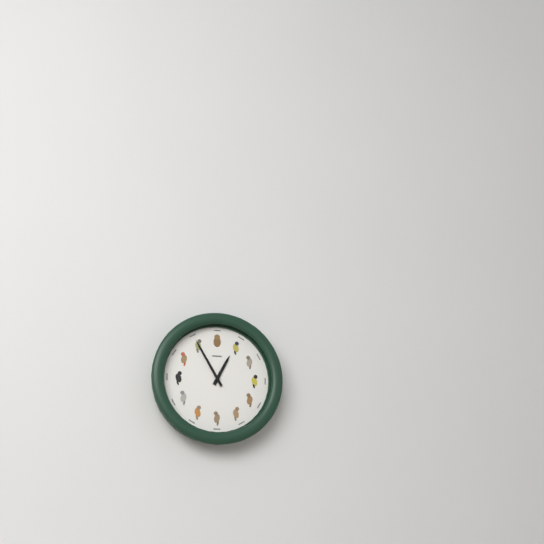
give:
12.55
